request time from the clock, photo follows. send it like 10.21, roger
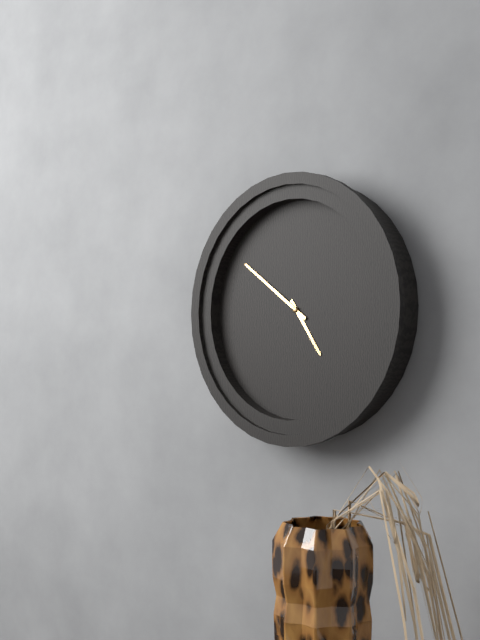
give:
4.51
